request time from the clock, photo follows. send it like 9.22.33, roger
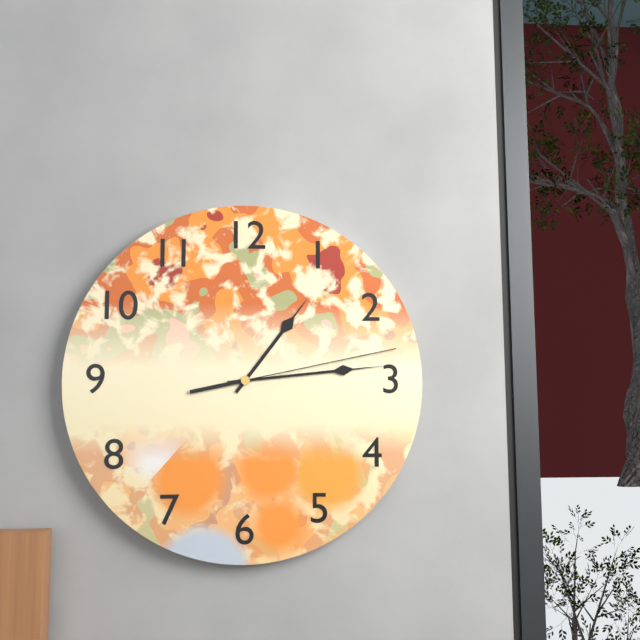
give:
1.14.13
